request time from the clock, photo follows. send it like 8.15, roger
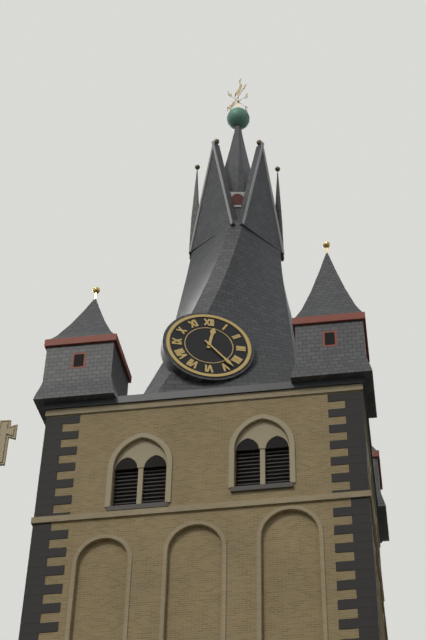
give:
12.23
